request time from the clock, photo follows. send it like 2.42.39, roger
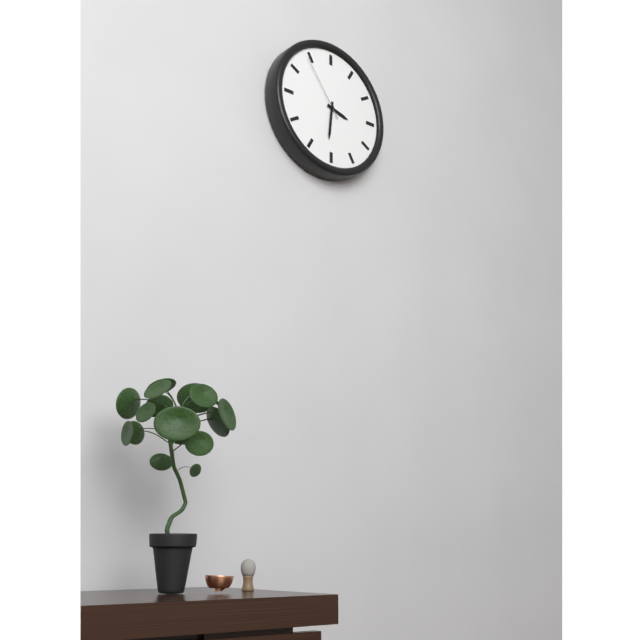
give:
3.31.54
